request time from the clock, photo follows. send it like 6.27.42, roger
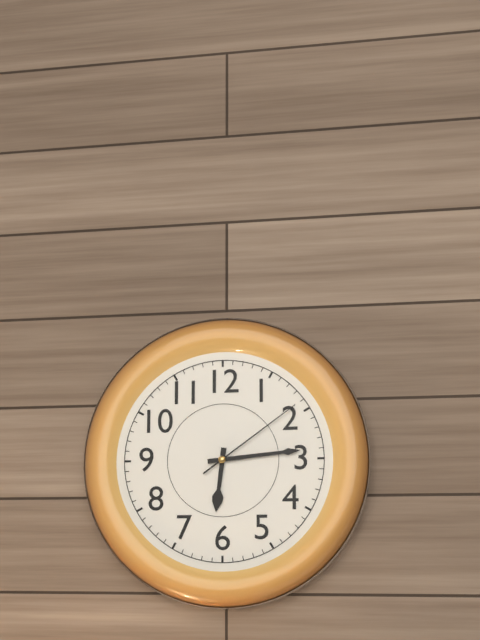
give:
6.14.09
